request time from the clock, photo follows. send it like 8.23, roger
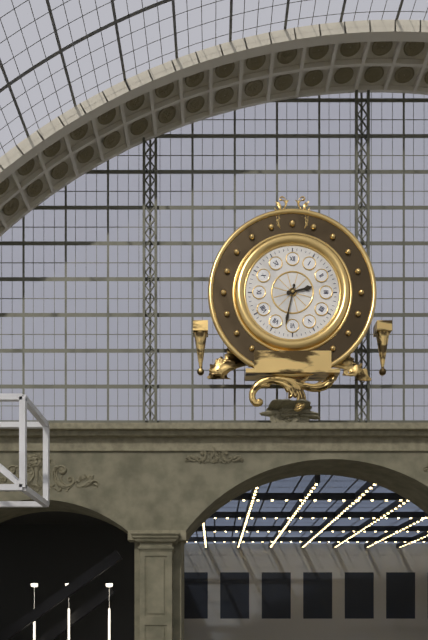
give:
2.32
